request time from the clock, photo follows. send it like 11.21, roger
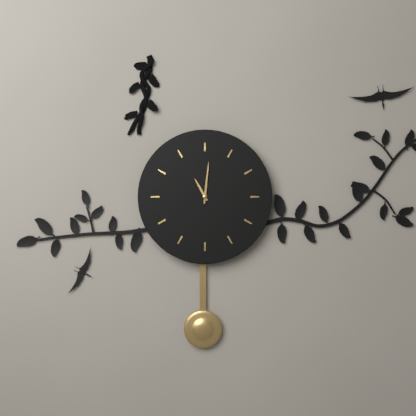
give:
11.01
